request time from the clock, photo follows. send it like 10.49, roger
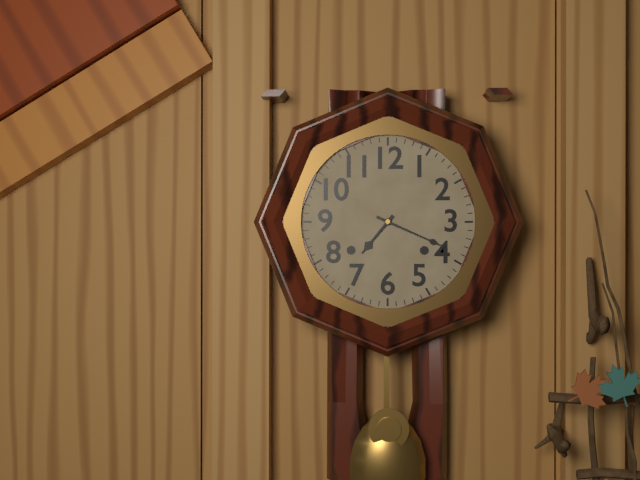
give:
7.19
